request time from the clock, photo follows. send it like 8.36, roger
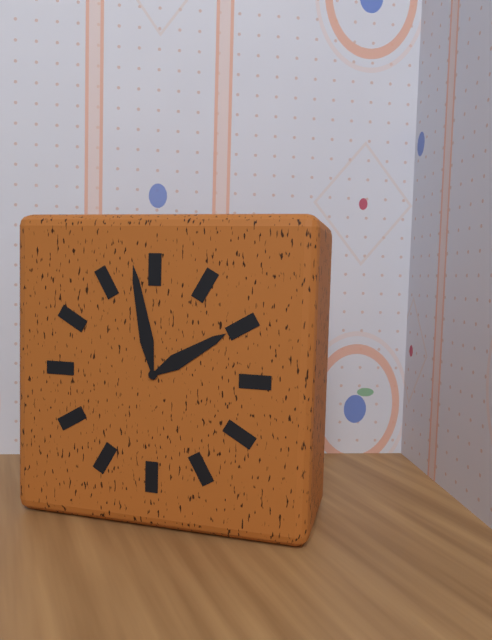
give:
1.58
